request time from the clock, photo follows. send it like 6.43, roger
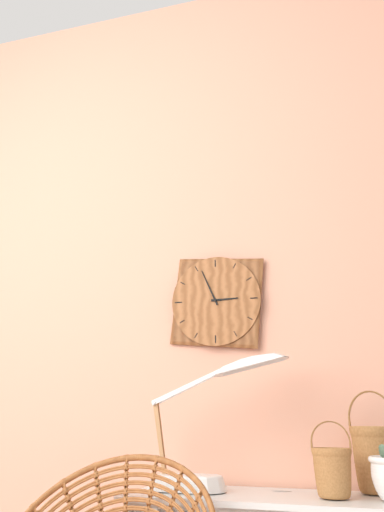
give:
2.56
